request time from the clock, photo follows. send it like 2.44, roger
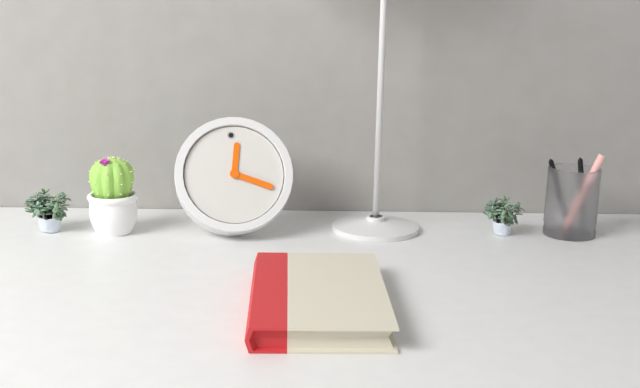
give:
12.19
